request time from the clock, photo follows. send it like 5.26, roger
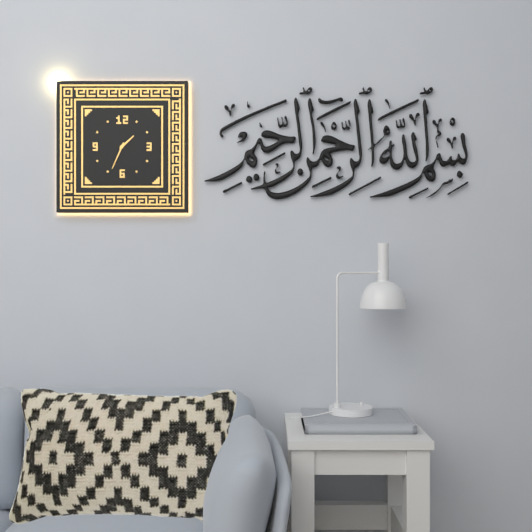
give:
1.34
